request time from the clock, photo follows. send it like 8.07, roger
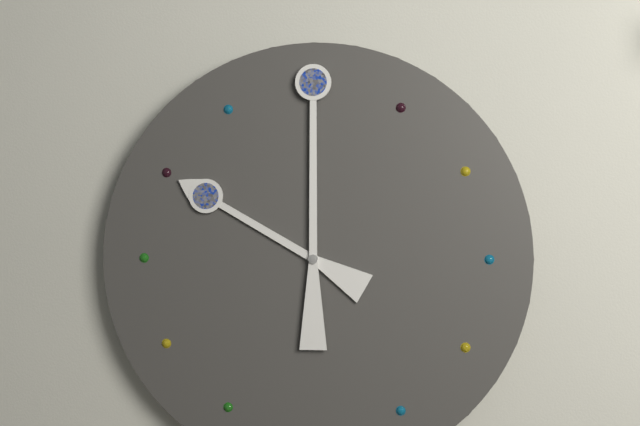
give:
10.00
